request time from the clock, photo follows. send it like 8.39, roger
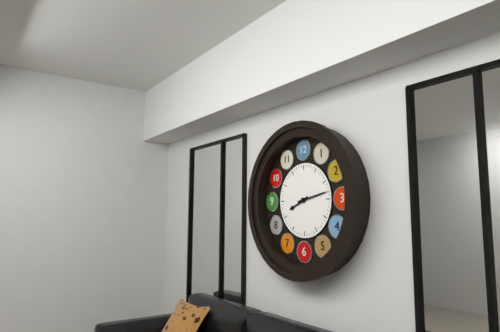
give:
8.13
